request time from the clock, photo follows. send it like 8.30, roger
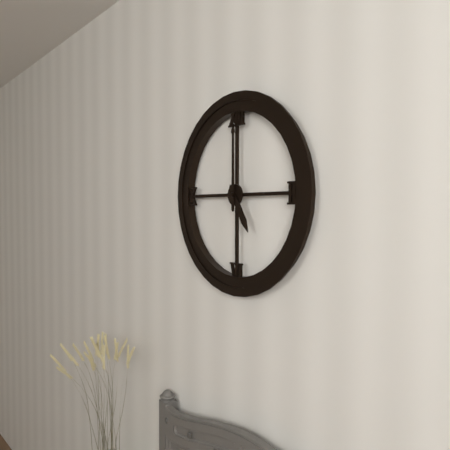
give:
5.00
